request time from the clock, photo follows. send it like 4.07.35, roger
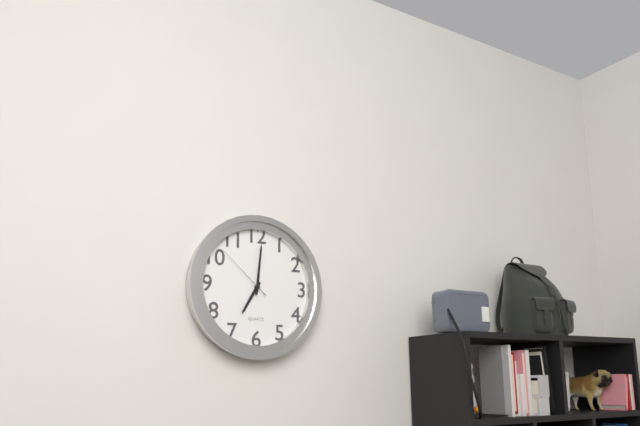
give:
7.01.52
